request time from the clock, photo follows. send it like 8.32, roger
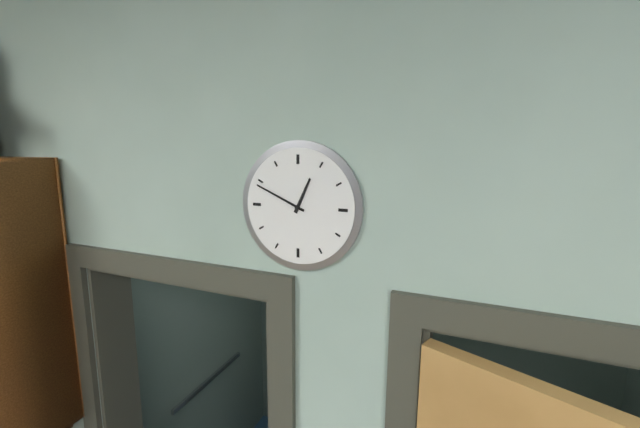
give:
12.49
